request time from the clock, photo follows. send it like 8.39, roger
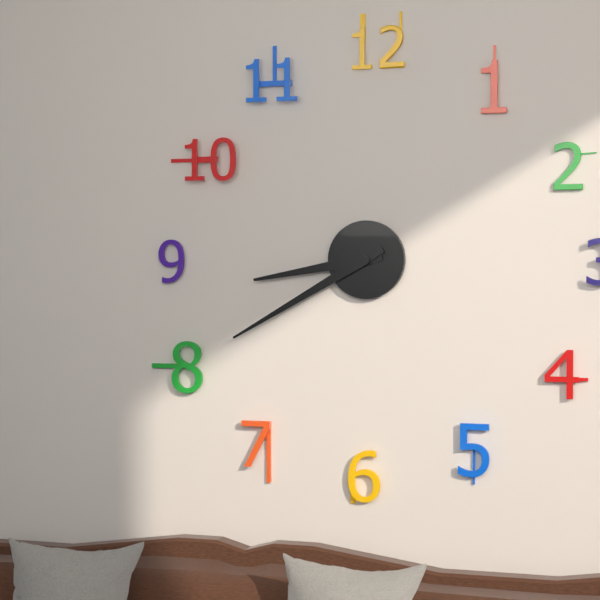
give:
8.40
